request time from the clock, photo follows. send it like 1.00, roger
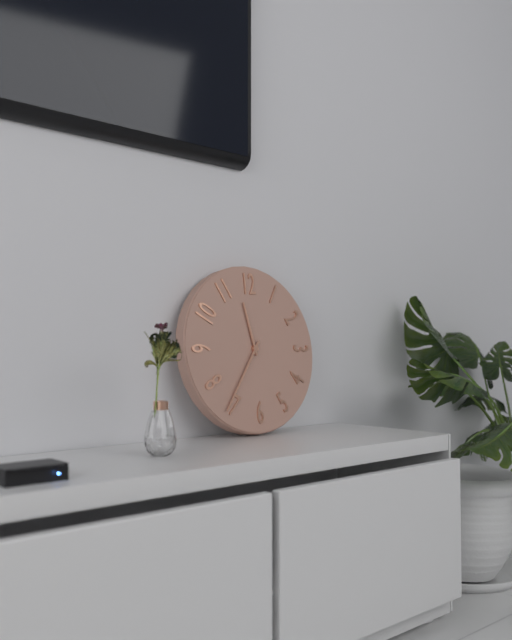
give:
11.36
